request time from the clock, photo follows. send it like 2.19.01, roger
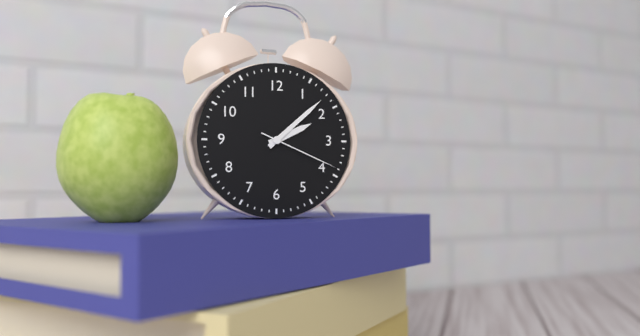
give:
2.08.19
